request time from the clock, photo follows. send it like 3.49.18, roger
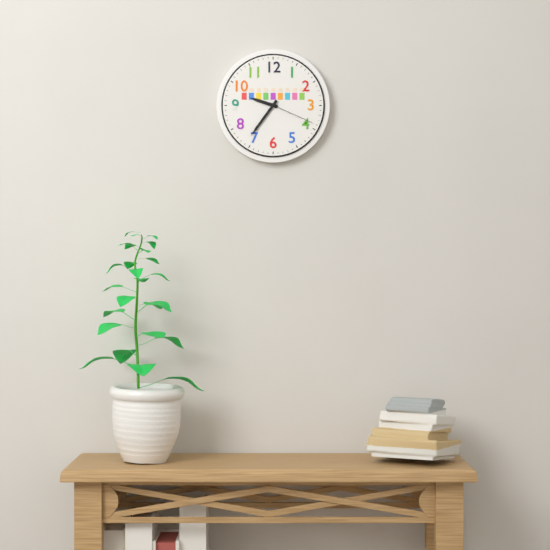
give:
9.36.19
